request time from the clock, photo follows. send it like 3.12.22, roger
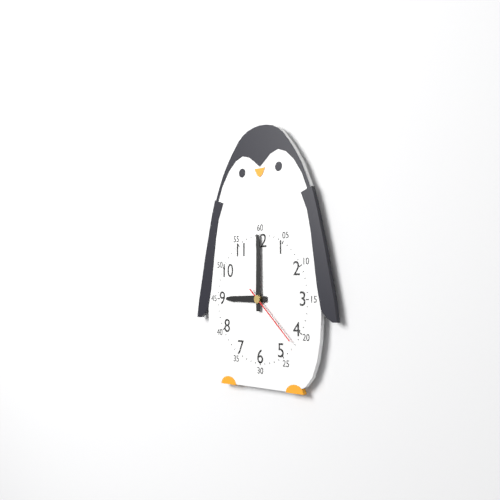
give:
9.00.22
